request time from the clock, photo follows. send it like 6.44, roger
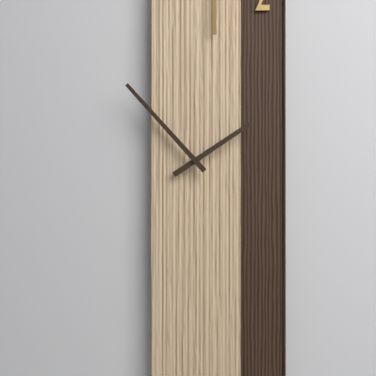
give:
1.53
